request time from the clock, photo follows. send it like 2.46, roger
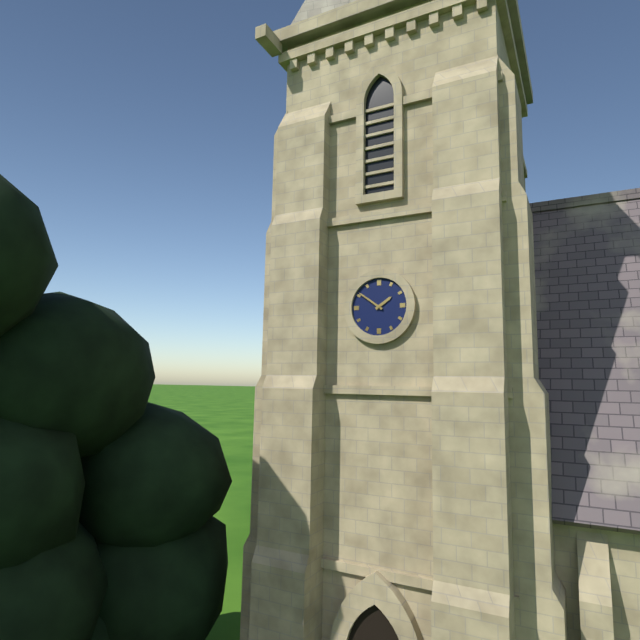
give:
1.51
